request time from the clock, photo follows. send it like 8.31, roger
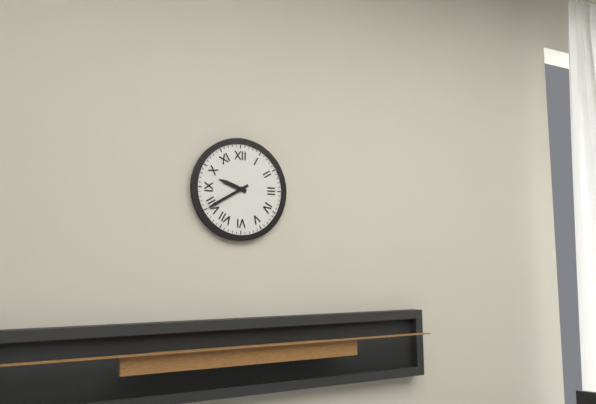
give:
9.40
